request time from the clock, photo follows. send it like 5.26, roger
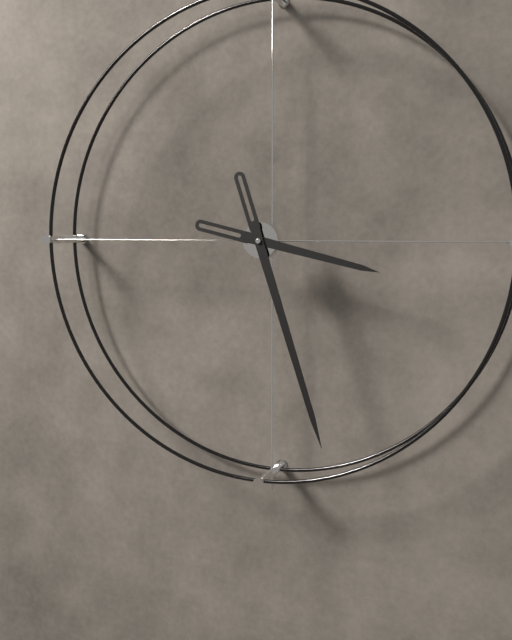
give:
3.27
